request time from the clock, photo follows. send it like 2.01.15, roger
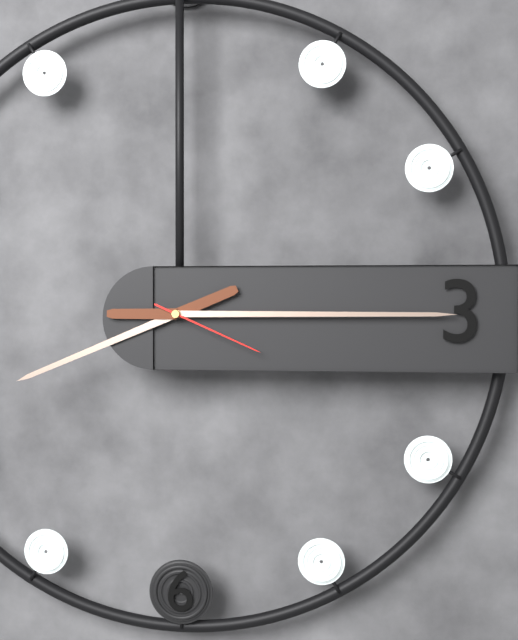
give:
8.15.19
